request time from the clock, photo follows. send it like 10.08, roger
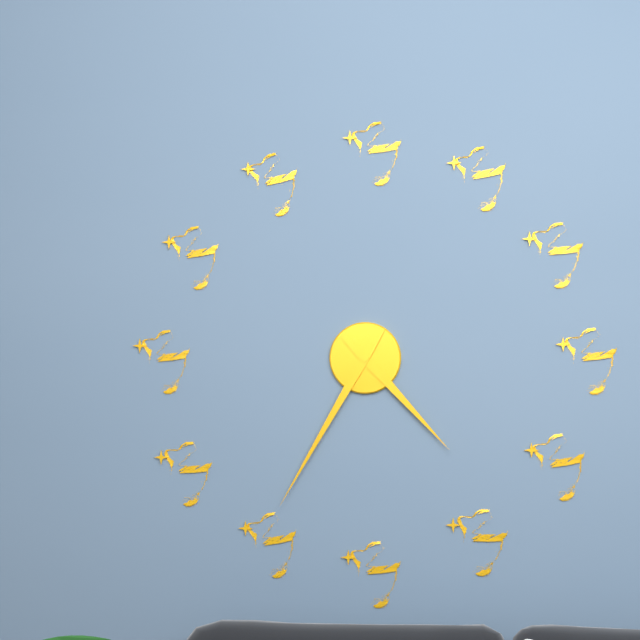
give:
4.35
